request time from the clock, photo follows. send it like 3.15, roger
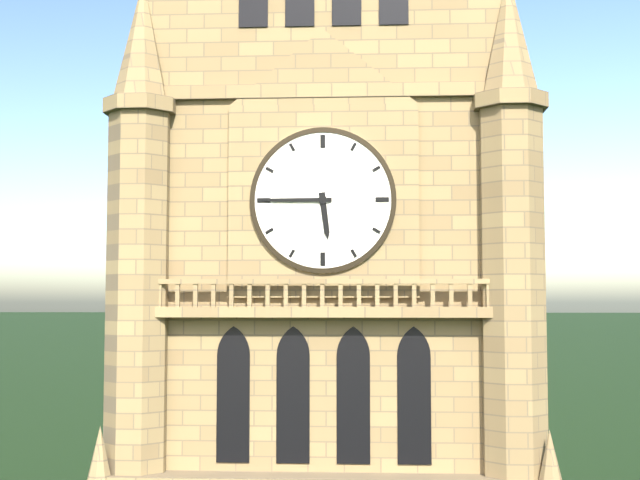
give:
5.45
